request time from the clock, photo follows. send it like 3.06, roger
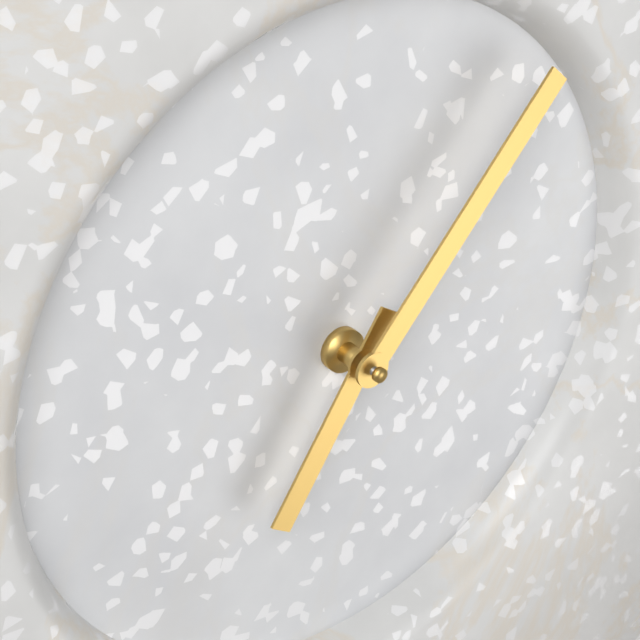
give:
7.07
